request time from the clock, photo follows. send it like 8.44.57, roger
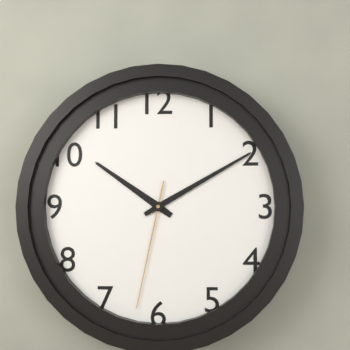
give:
10.10.32
